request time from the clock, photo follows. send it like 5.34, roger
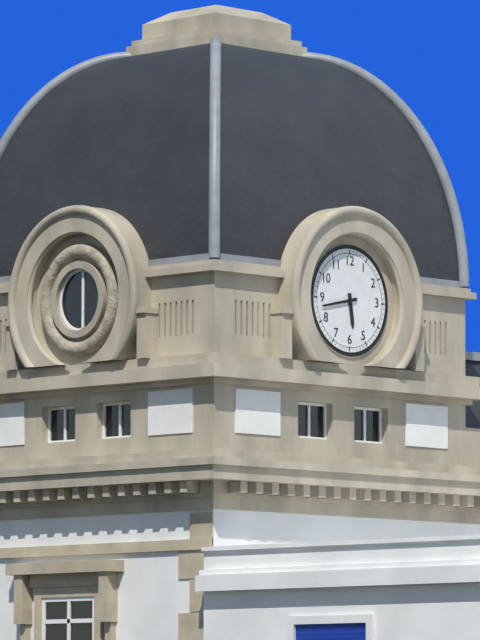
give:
5.43
